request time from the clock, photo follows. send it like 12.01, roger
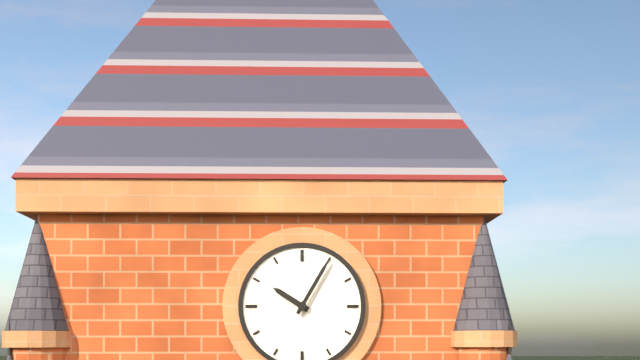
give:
10.05
